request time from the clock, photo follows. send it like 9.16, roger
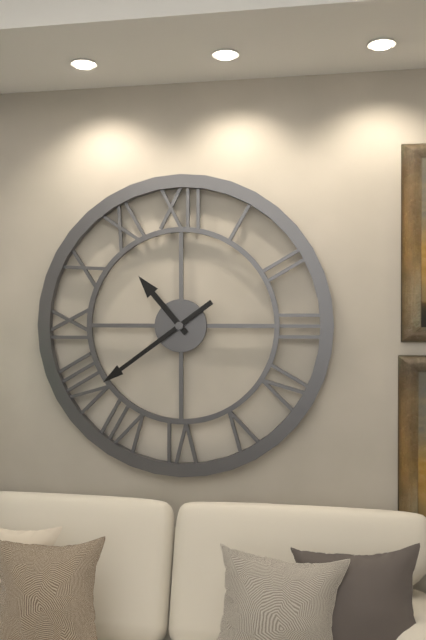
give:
10.39
